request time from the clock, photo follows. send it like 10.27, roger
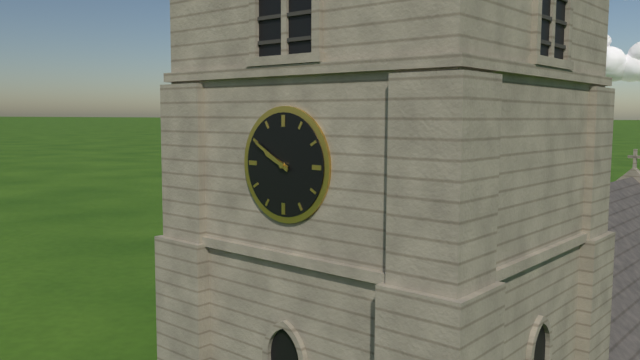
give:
9.50
